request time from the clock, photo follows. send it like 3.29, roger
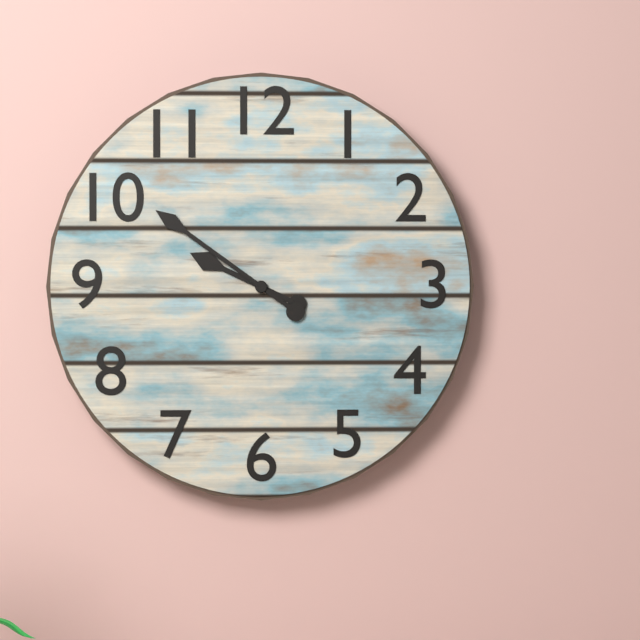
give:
9.51
